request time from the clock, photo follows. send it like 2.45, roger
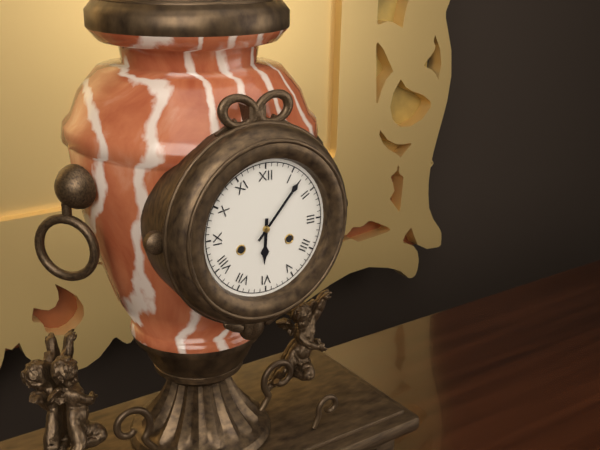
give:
6.07
